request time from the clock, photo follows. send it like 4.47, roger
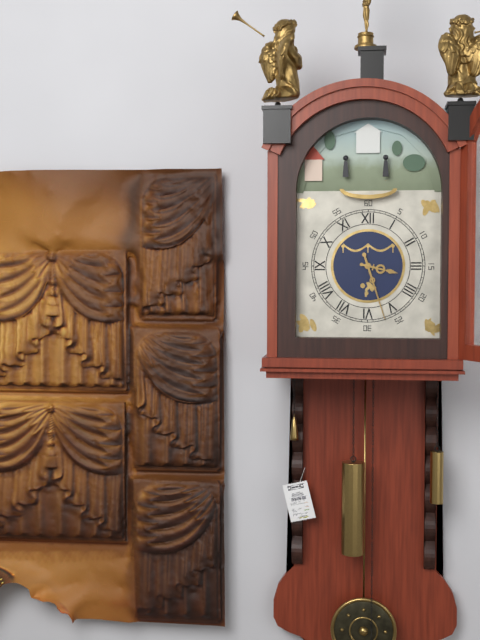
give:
3.27
